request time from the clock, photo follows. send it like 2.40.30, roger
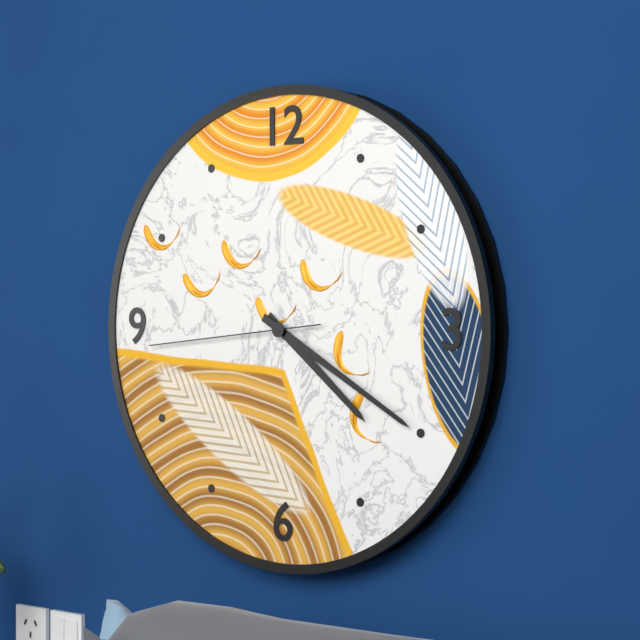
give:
4.20.44
